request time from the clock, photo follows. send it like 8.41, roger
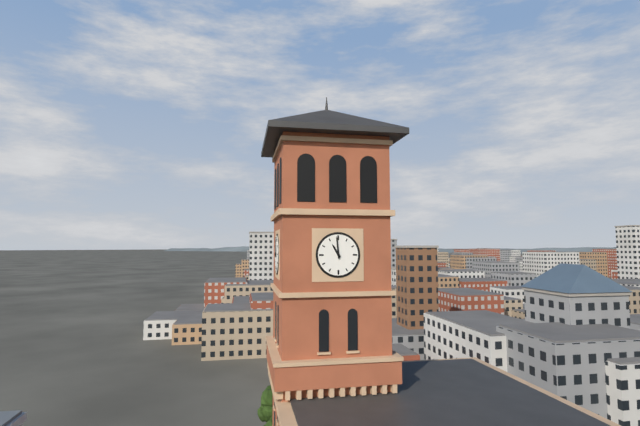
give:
10.59
